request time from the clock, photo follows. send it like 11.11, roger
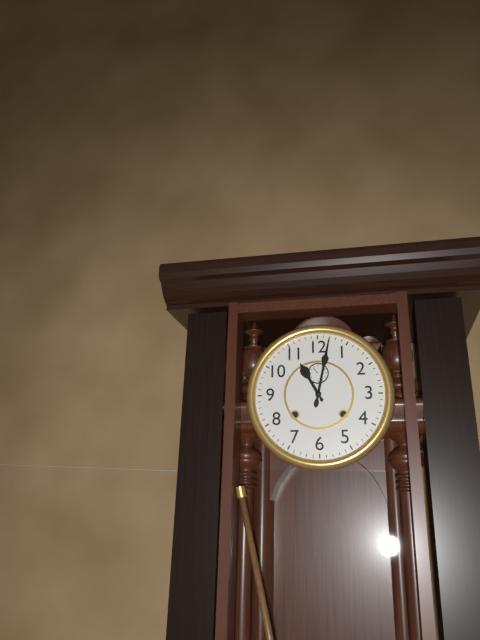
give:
11.02
